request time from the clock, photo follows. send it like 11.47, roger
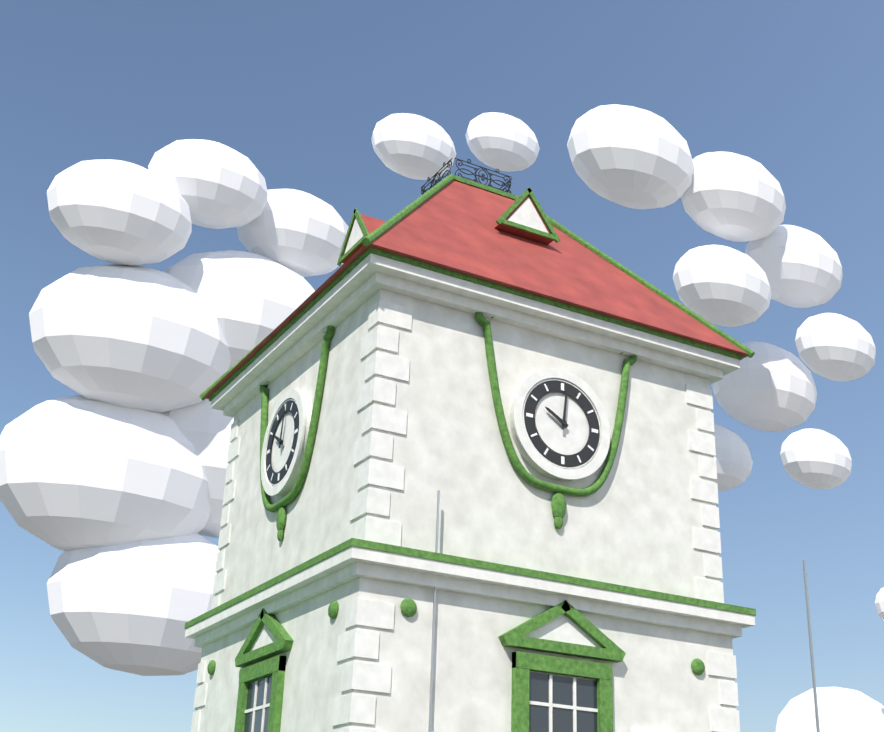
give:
10.01
